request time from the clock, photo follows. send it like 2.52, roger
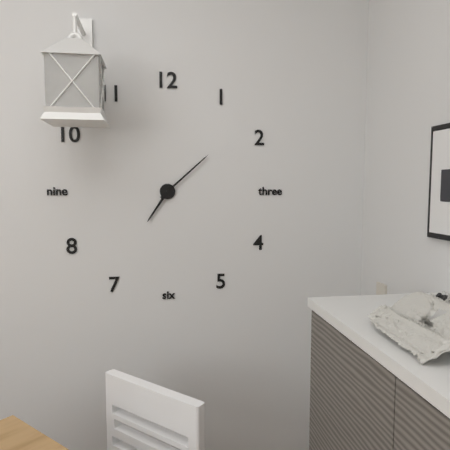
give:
7.08
